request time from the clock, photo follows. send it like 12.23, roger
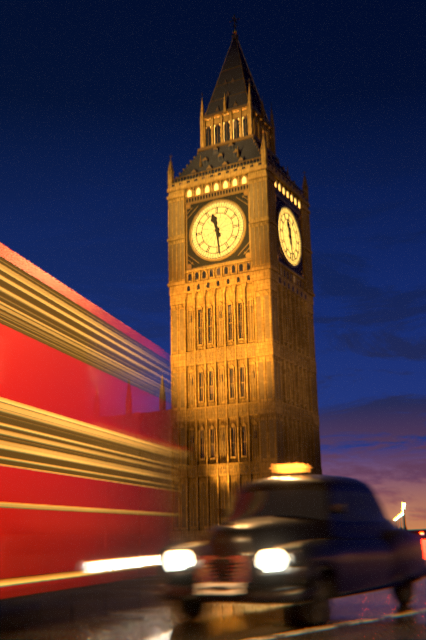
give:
11.29
